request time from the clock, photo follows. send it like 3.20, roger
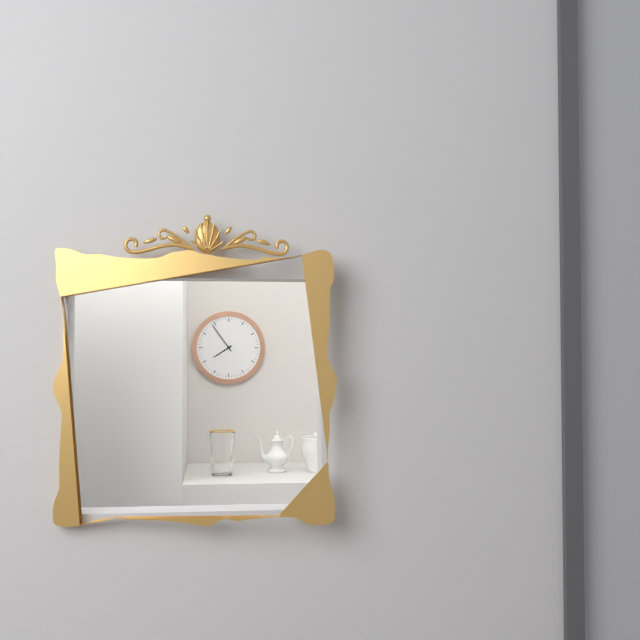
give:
7.54
